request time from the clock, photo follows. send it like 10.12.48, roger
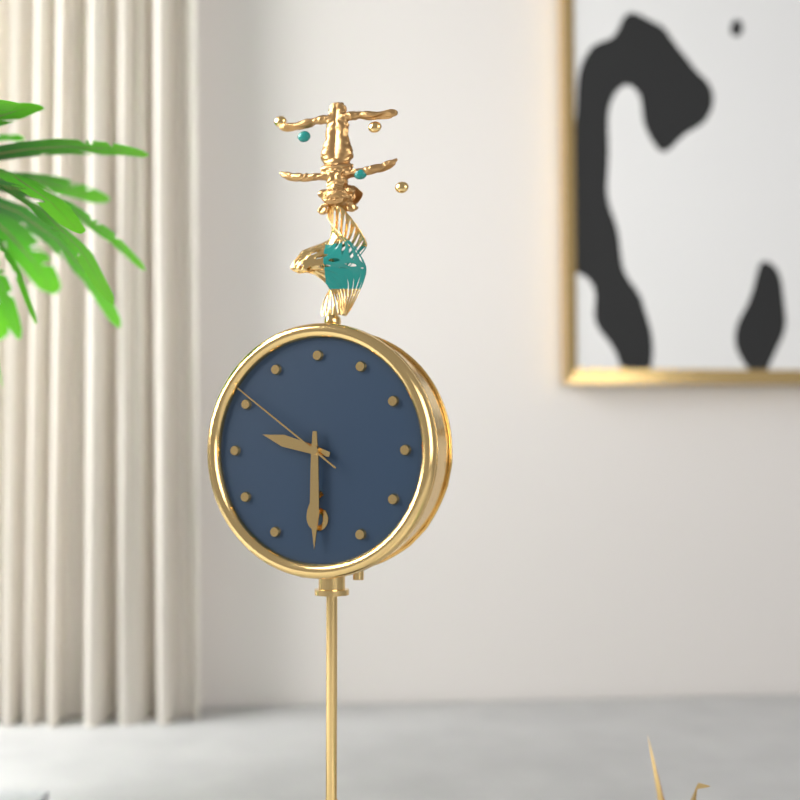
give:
9.30.51
